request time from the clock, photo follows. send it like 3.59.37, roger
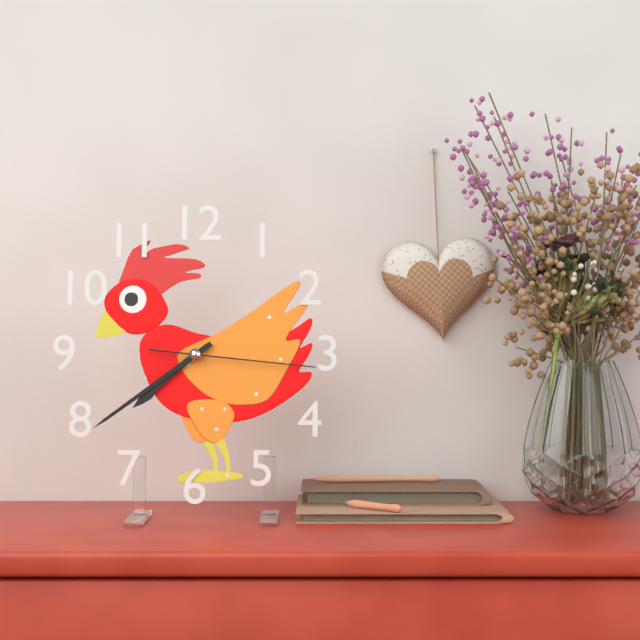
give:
7.39.16
